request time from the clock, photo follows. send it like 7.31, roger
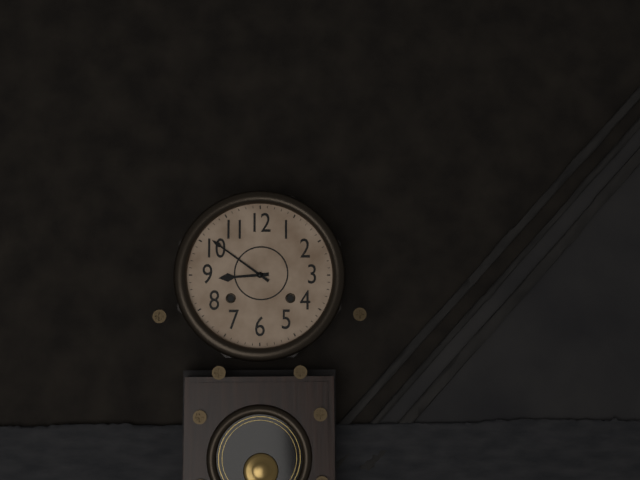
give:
8.51
